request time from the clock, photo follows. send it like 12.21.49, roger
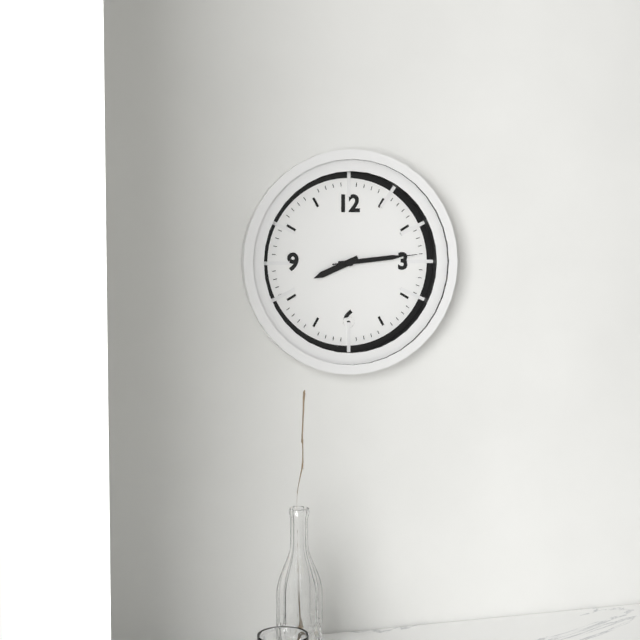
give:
8.14.14
